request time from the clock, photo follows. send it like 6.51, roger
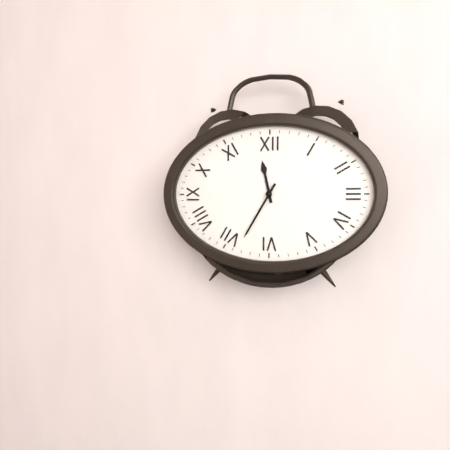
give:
11.35
